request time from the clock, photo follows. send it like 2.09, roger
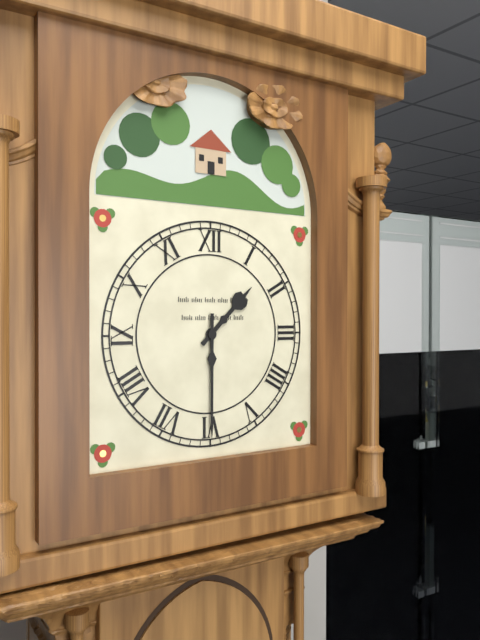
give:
1.30
